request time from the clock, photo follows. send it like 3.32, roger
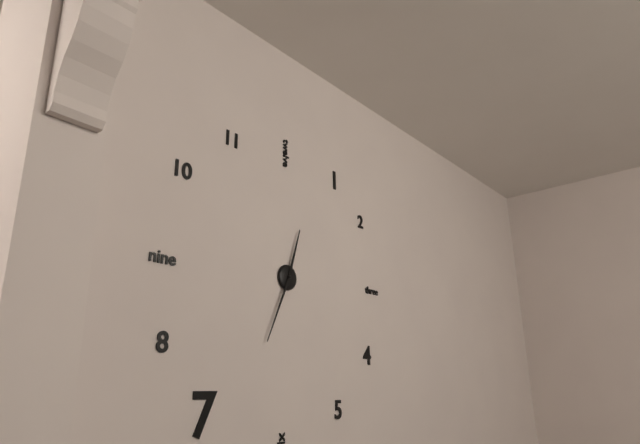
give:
12.34
